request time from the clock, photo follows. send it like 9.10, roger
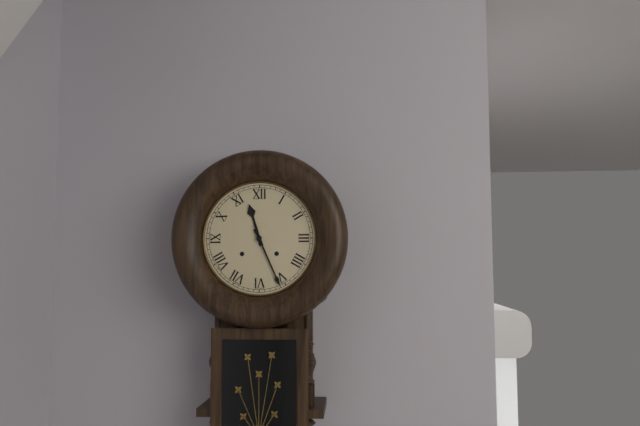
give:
11.26
